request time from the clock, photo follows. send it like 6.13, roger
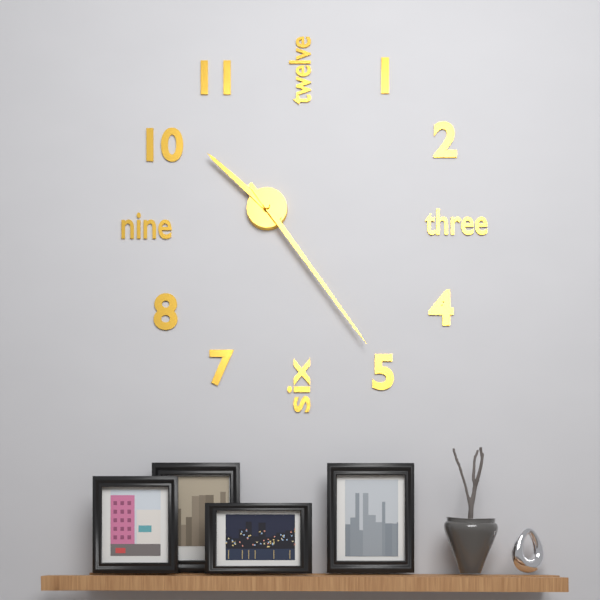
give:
10.24
